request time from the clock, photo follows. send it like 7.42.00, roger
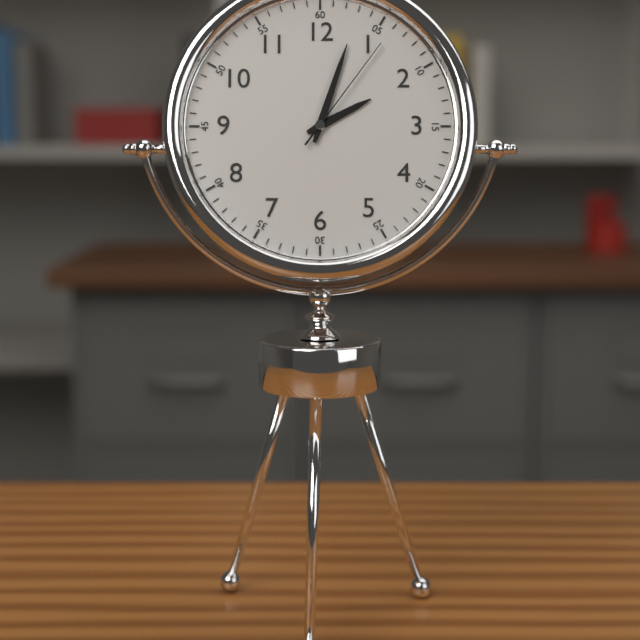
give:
2.03.06
